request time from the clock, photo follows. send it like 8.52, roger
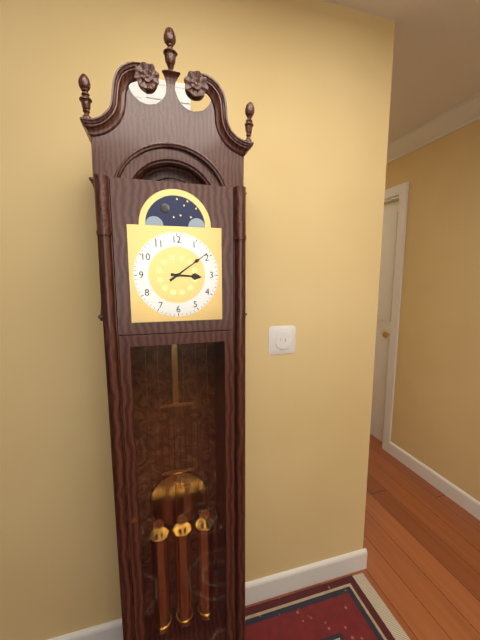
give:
3.09
